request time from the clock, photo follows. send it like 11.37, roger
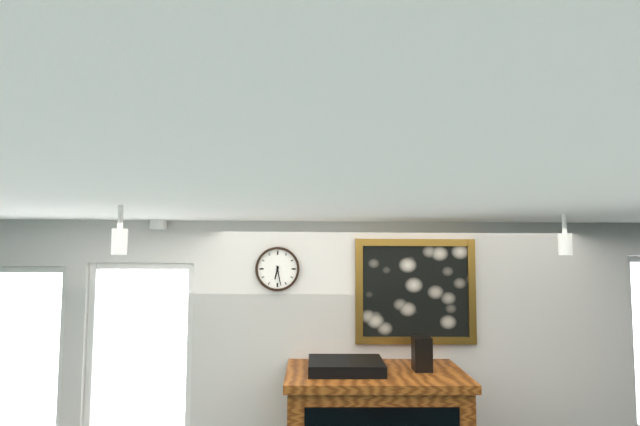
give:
6.28
